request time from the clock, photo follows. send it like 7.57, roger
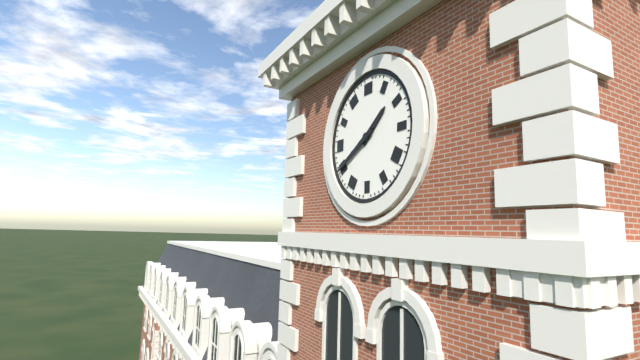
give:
1.40
